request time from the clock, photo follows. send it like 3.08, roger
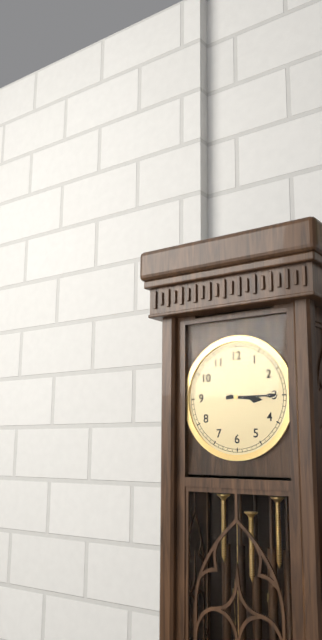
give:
3.15
